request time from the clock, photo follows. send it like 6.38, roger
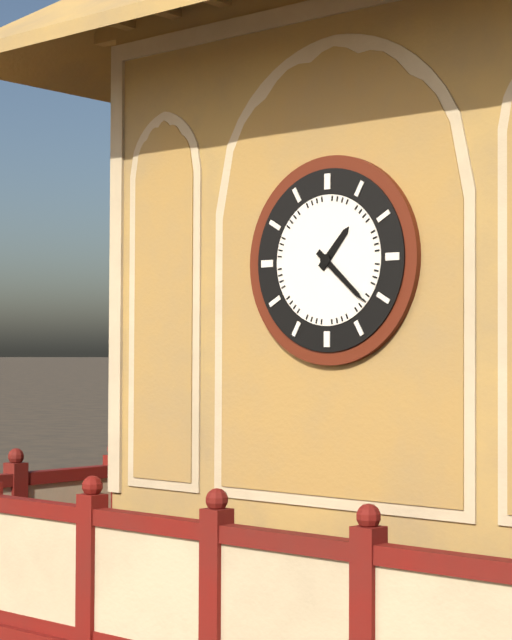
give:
1.22
